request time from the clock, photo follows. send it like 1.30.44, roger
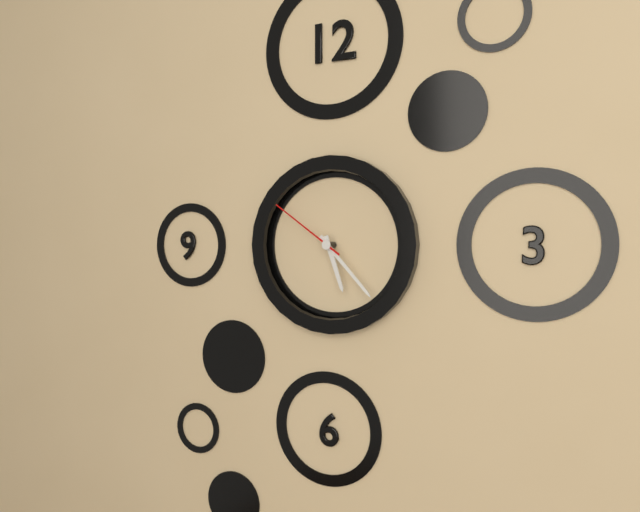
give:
5.23.51
